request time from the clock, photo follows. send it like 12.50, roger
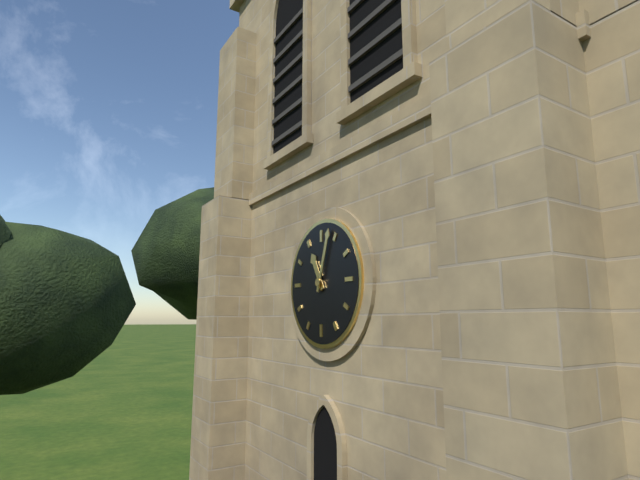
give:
11.03
